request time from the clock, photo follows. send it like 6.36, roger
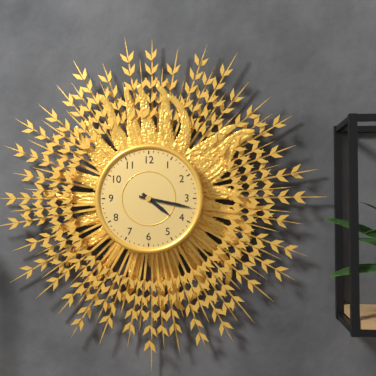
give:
4.17
